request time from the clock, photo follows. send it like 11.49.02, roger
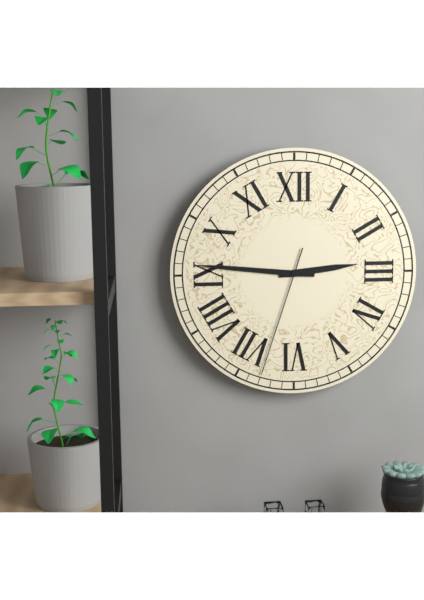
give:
2.46.33
